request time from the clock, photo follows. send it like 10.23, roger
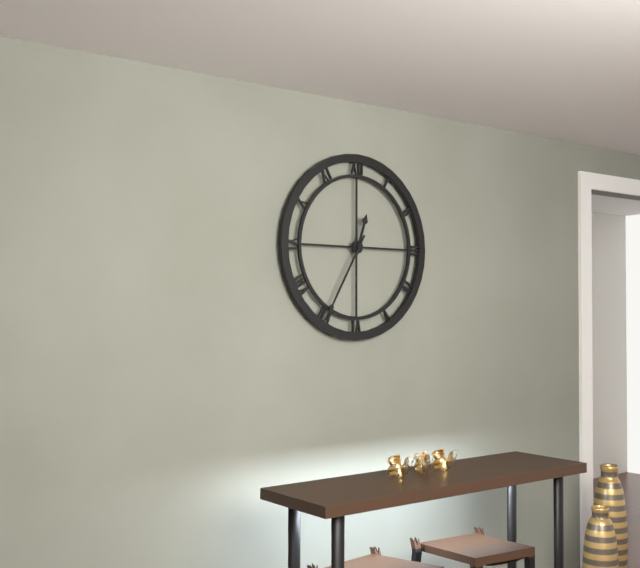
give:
12.35
